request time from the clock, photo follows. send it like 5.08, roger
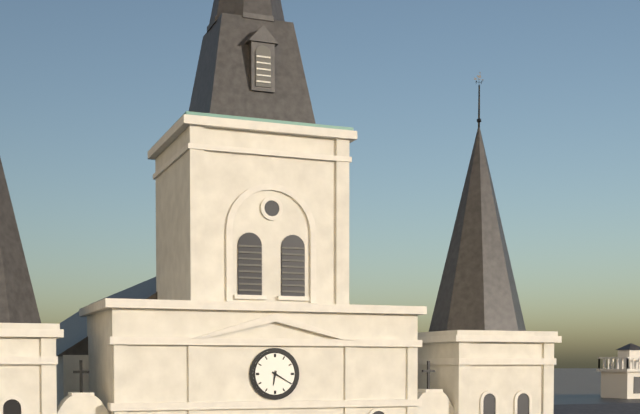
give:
6.20
